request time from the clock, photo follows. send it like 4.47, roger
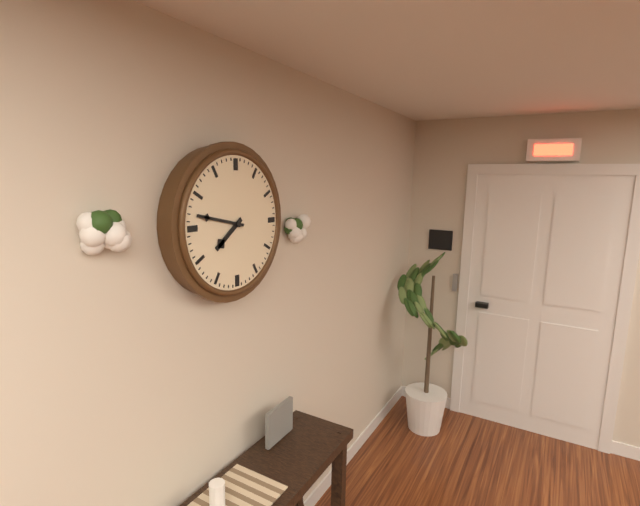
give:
7.47
